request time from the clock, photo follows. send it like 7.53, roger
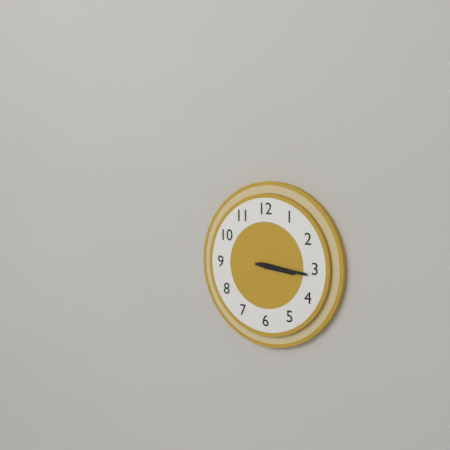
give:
3.16
